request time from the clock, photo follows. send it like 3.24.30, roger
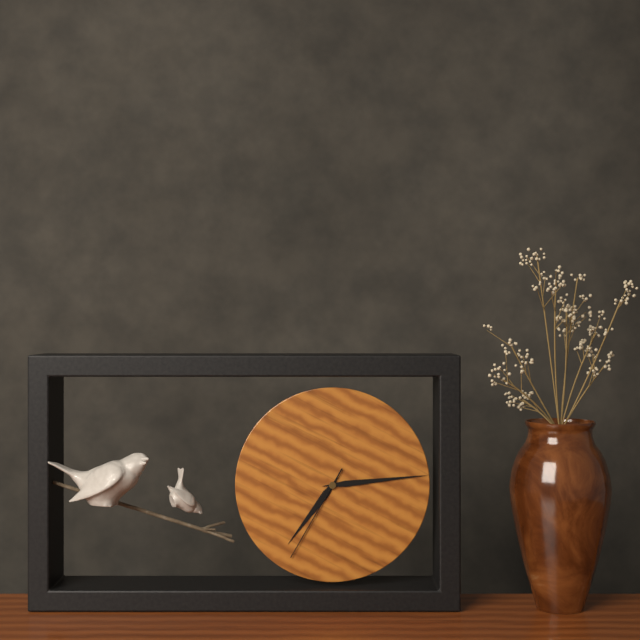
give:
7.14.35
